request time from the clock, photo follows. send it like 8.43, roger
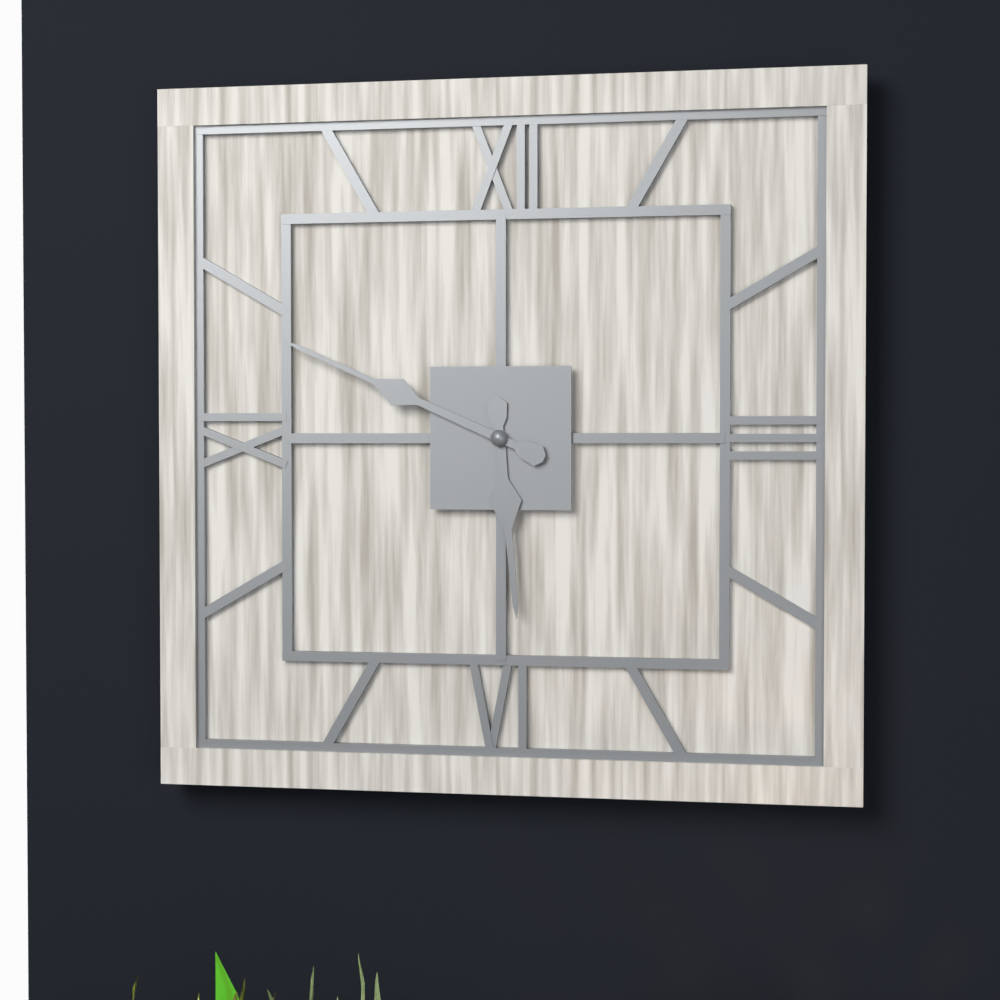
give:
5.49
